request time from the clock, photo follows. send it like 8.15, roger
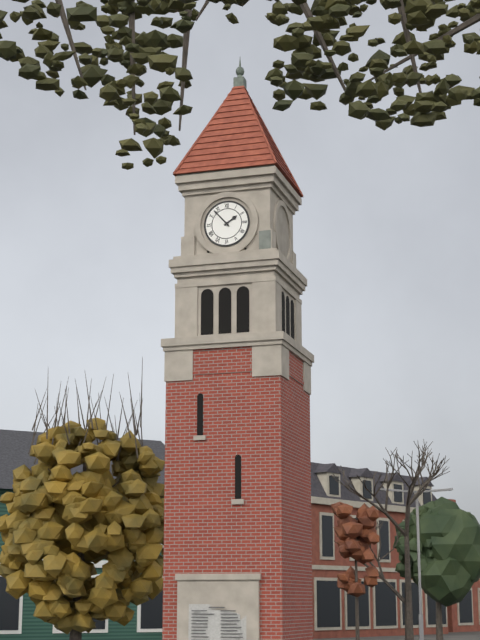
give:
1.53
